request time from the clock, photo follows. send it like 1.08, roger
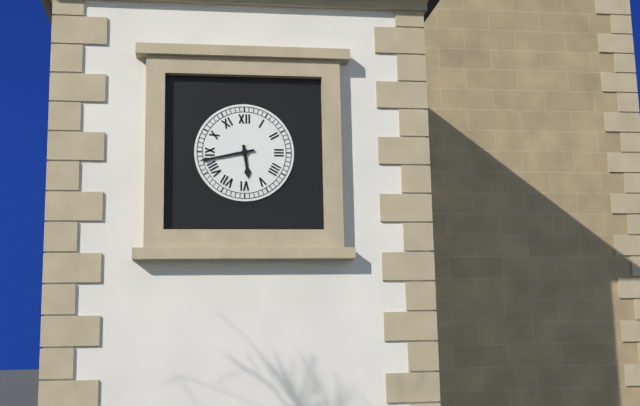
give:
5.43
